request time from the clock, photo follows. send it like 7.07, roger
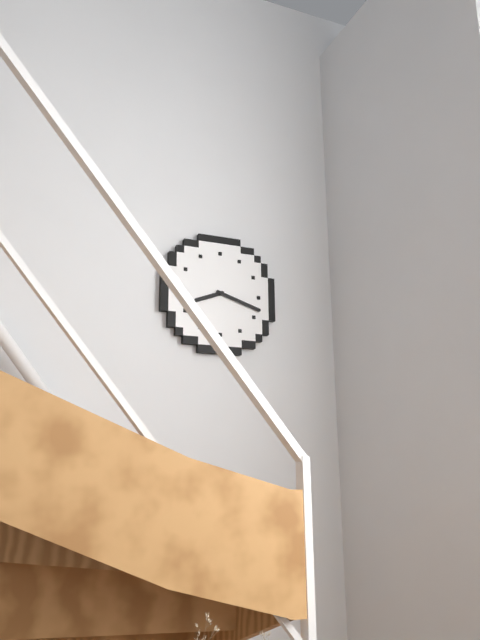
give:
8.18
